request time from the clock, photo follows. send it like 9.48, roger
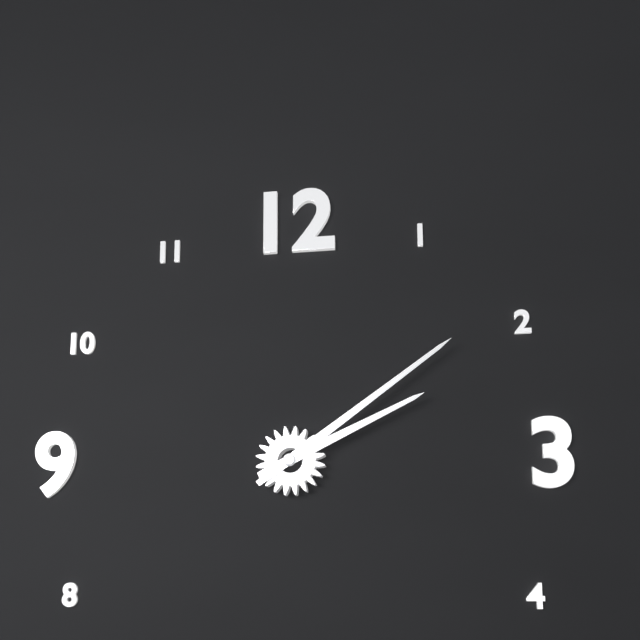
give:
2.09
